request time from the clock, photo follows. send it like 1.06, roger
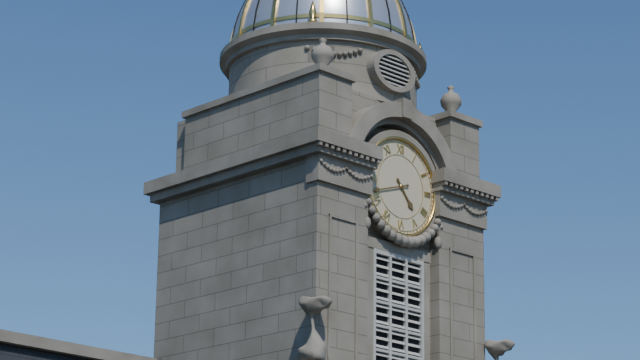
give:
4.42
